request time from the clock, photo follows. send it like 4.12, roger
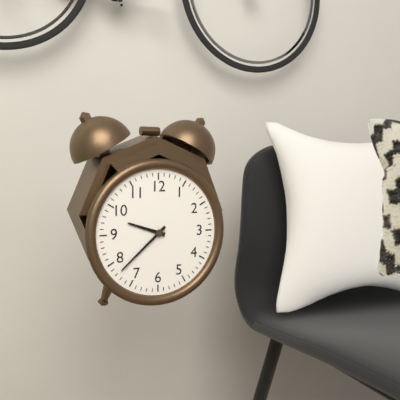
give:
9.38
